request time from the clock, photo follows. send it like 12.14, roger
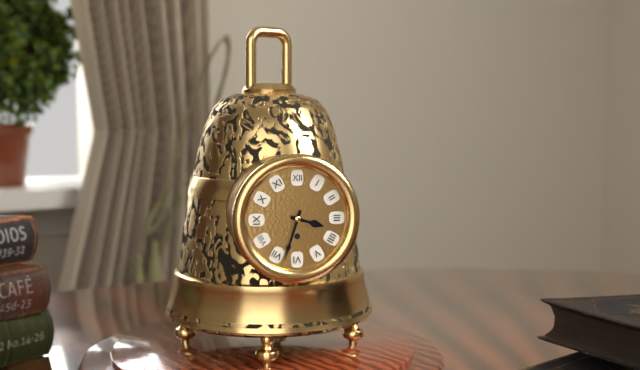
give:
3.33
